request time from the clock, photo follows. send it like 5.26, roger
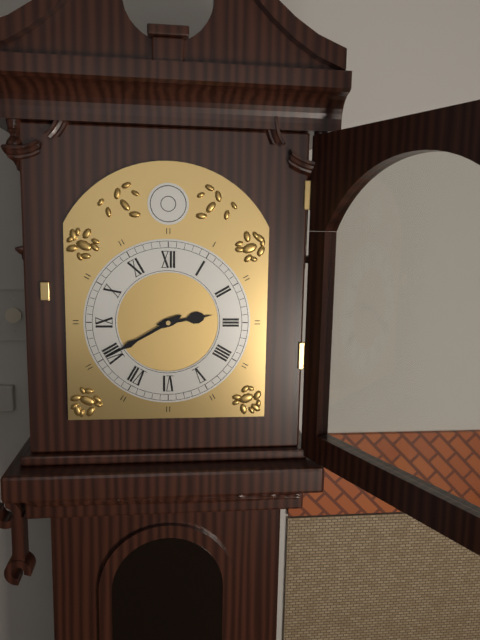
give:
2.40
